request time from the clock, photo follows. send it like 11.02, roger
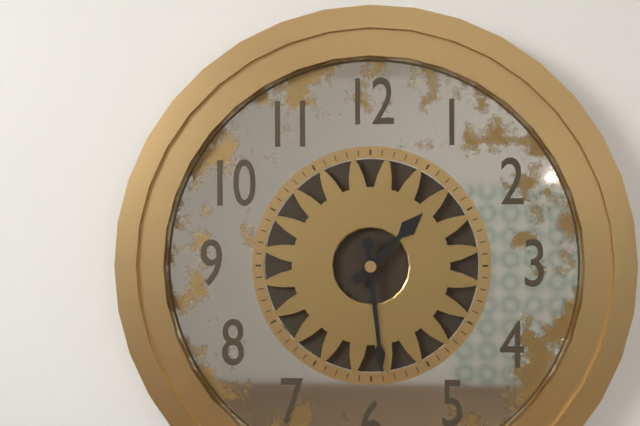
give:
1.29
